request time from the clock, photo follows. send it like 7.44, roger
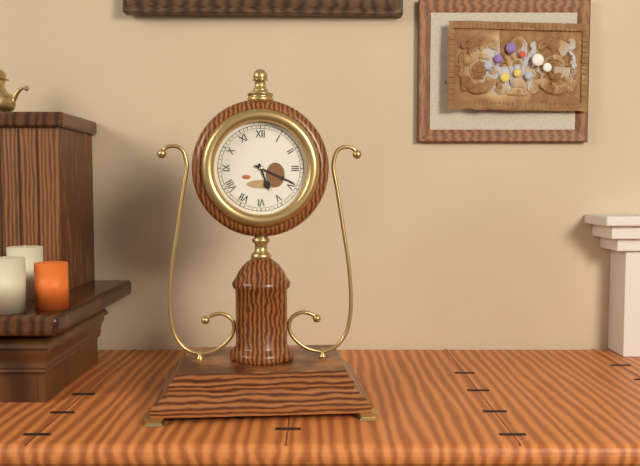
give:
5.19
